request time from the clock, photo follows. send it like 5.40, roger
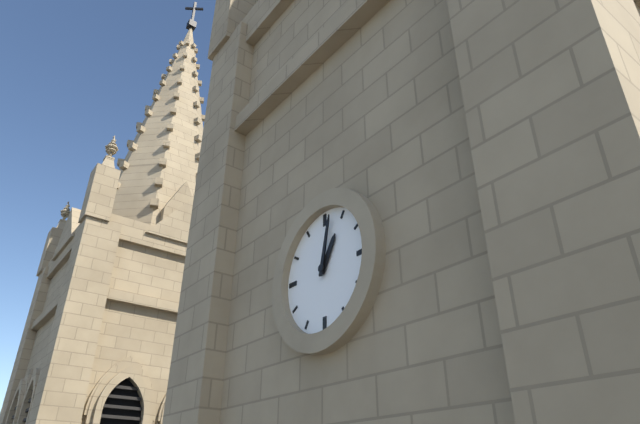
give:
1.02
